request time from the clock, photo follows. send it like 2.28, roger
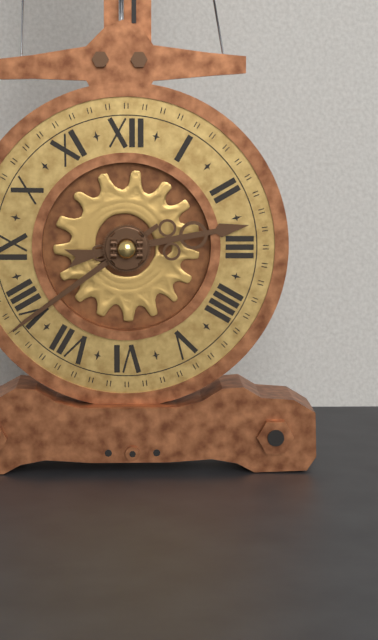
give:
2.39
